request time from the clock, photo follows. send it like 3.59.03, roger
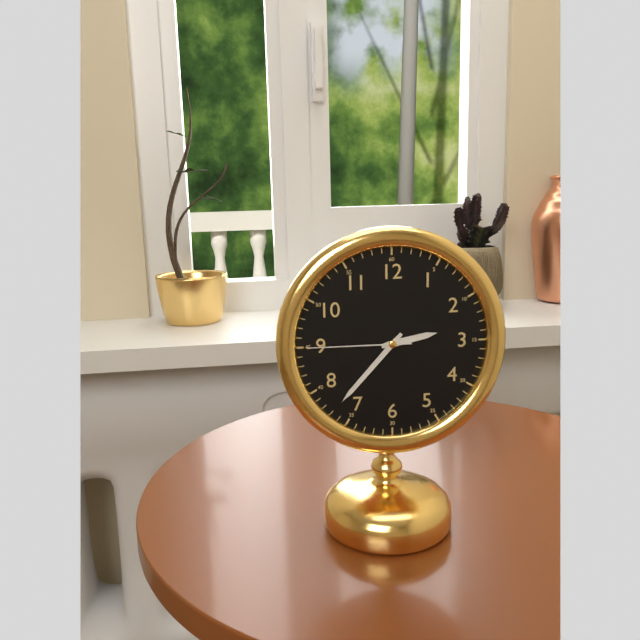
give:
2.37.45
